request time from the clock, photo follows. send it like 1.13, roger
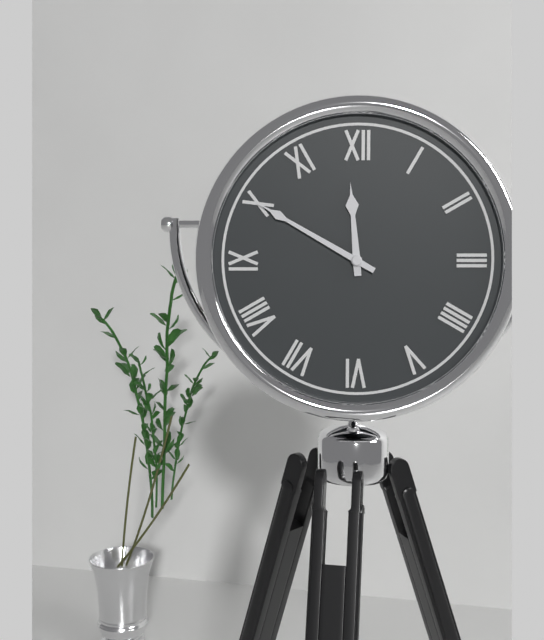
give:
11.50
